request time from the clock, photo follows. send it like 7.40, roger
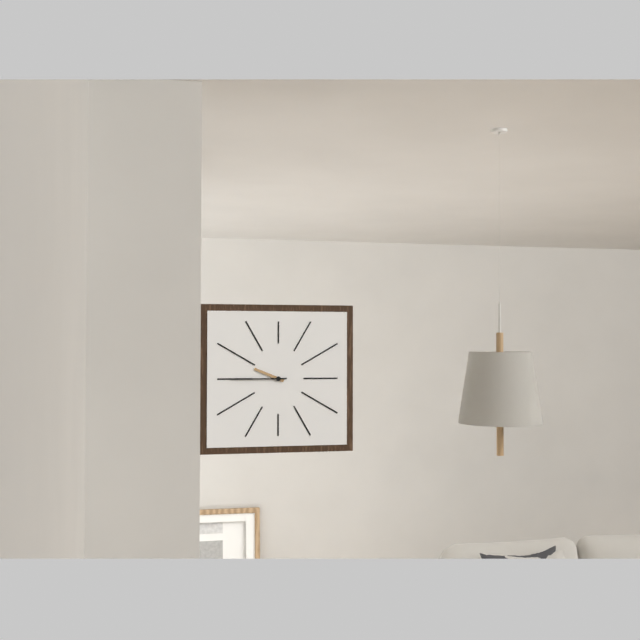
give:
9.45
